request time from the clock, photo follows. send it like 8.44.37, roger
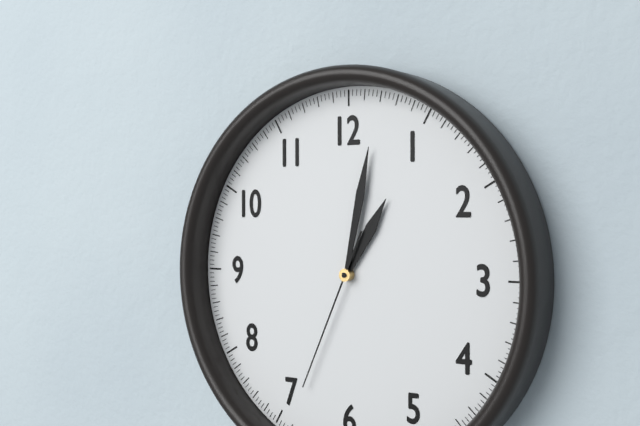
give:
1.02.34
